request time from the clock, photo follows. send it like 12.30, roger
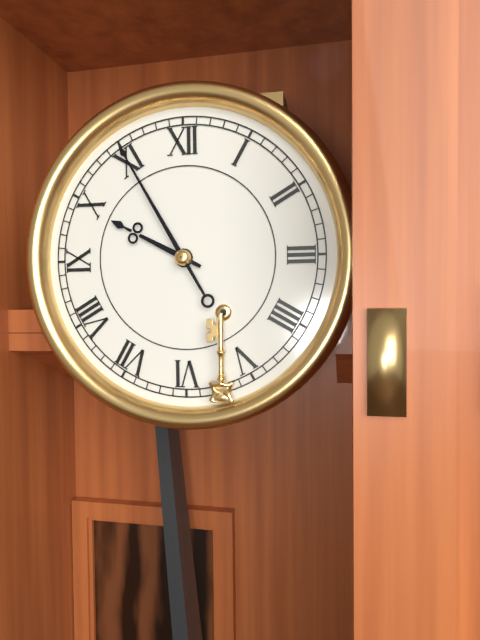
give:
9.55
